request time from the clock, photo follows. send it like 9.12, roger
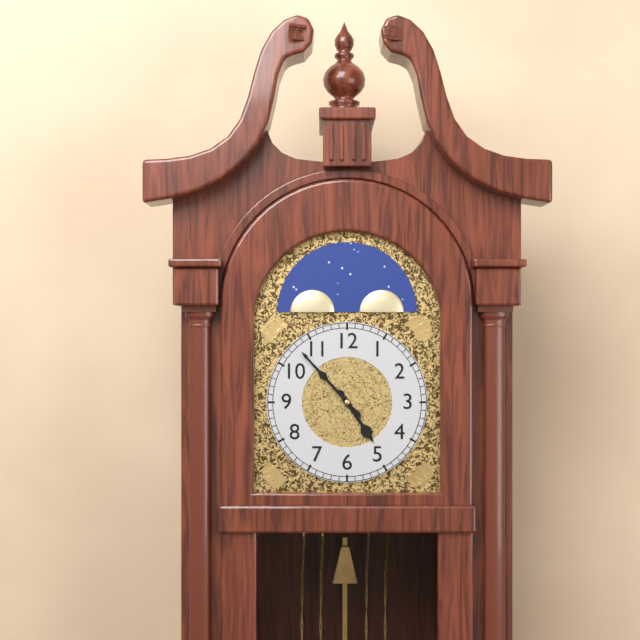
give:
4.53
